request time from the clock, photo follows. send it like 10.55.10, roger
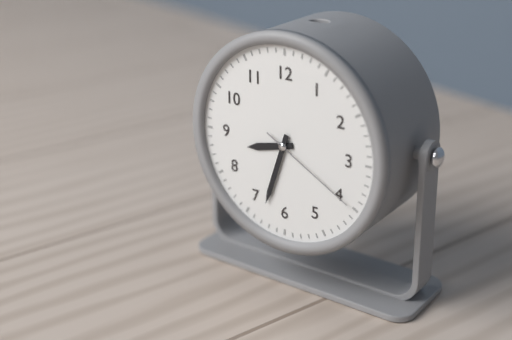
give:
8.33.20
